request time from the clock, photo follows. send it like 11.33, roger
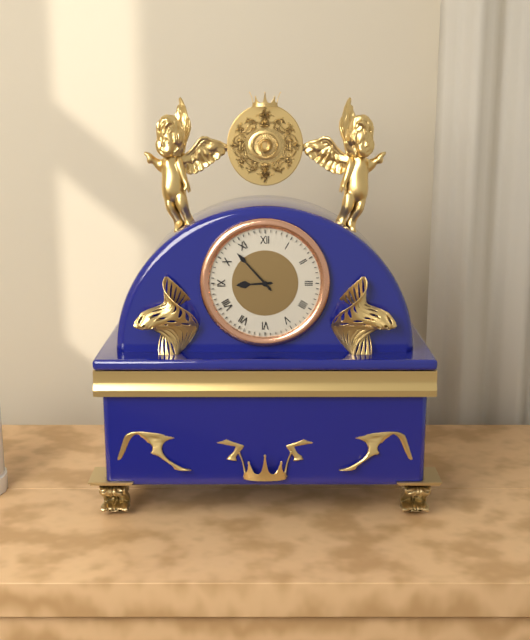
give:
8.53
